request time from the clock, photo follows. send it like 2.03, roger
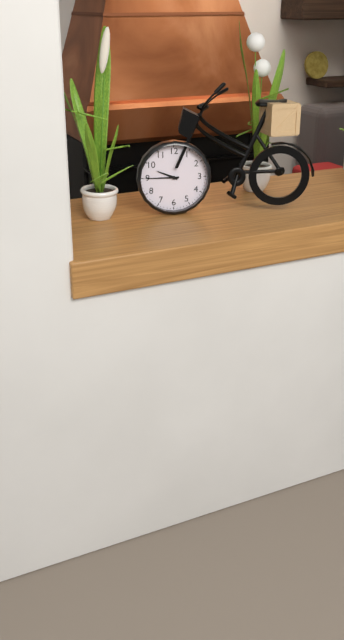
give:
9.45
